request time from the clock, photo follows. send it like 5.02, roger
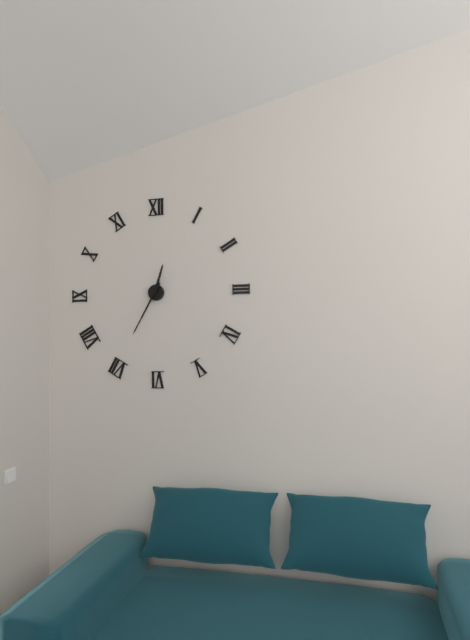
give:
12.35
